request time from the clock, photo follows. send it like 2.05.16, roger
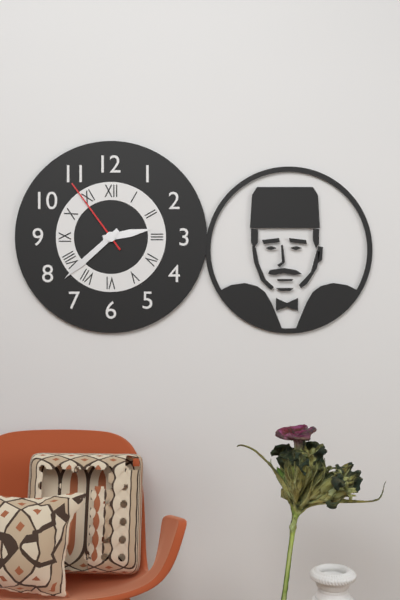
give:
2.38.54
